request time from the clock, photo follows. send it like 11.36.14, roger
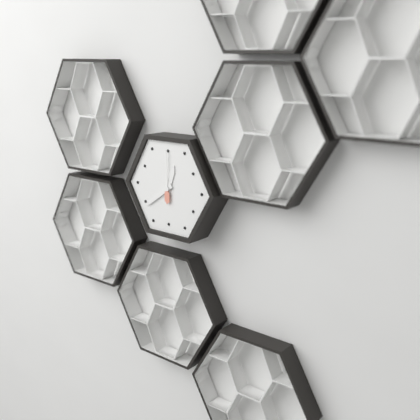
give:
12.39.00
